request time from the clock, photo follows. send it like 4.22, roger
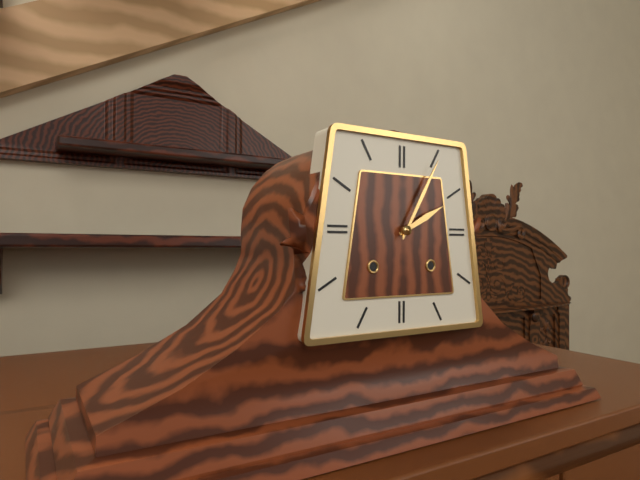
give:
2.05
